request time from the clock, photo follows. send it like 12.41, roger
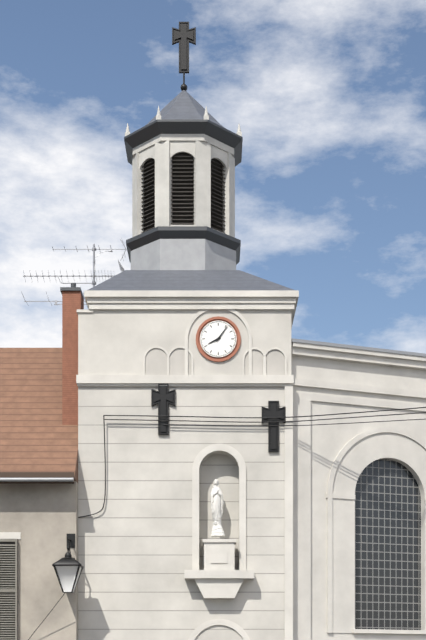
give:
8.06
